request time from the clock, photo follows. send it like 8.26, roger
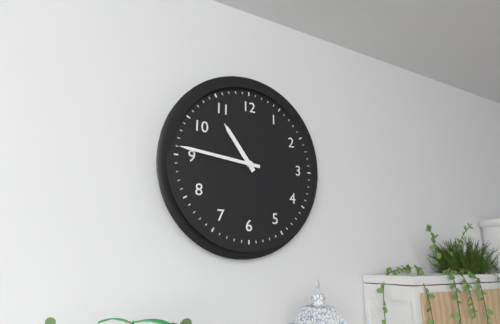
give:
10.46
